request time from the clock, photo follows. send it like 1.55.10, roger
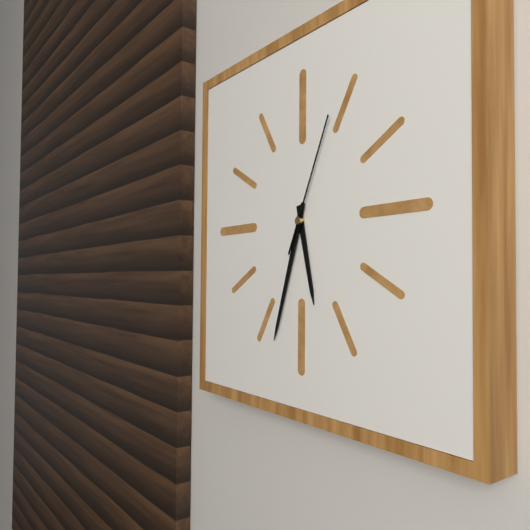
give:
5.33.04
